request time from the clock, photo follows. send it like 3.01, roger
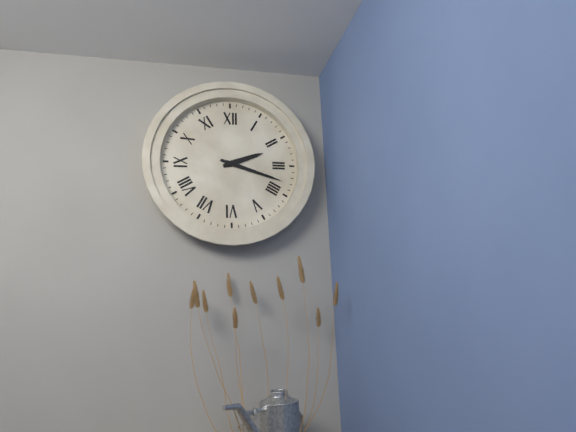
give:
2.18
